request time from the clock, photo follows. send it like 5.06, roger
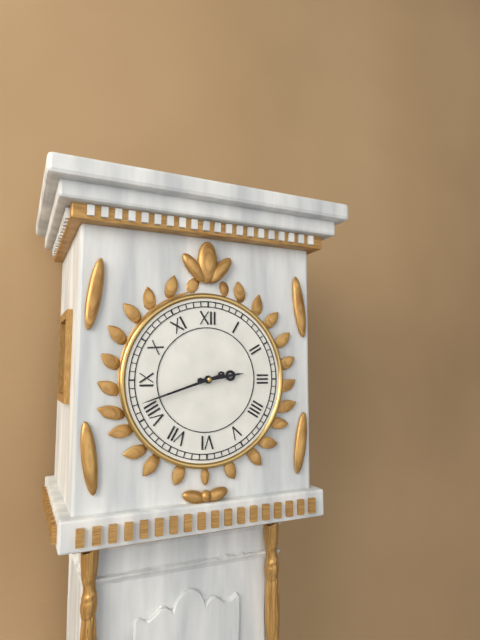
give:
2.42
